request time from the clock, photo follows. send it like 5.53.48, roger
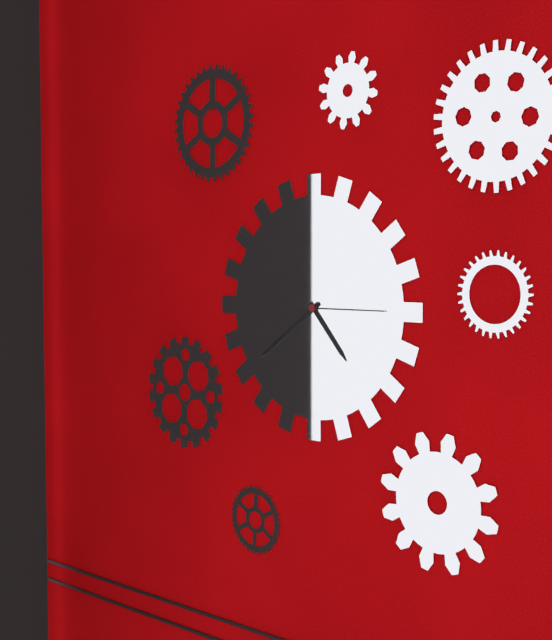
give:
4.39.15
